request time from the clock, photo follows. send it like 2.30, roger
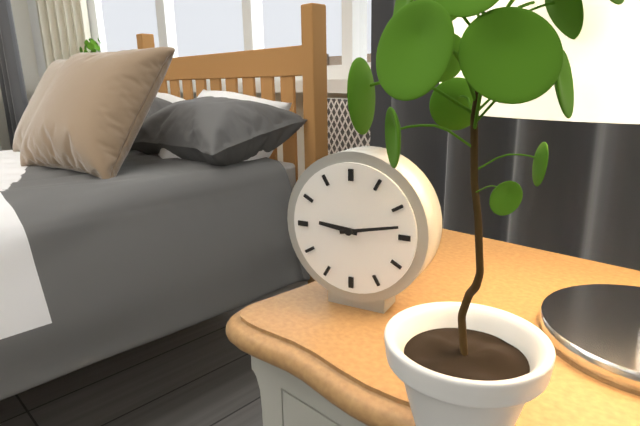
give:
9.13
